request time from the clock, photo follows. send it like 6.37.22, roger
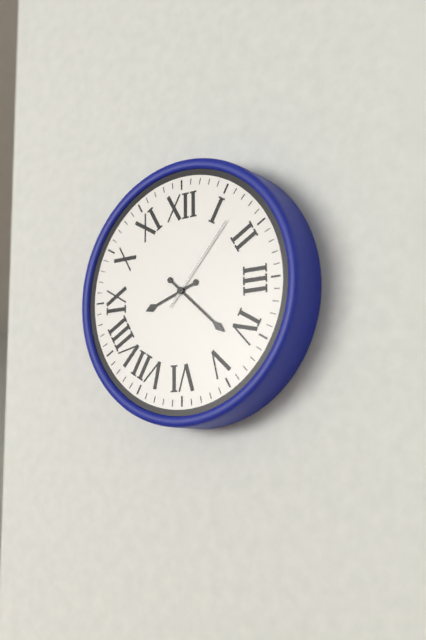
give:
8.22.07
